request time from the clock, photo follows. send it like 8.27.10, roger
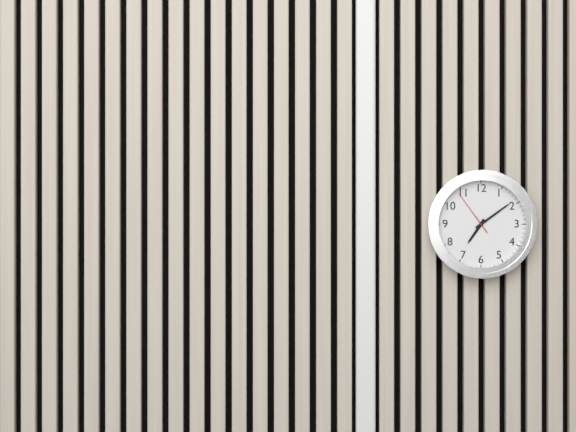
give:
7.09.54
